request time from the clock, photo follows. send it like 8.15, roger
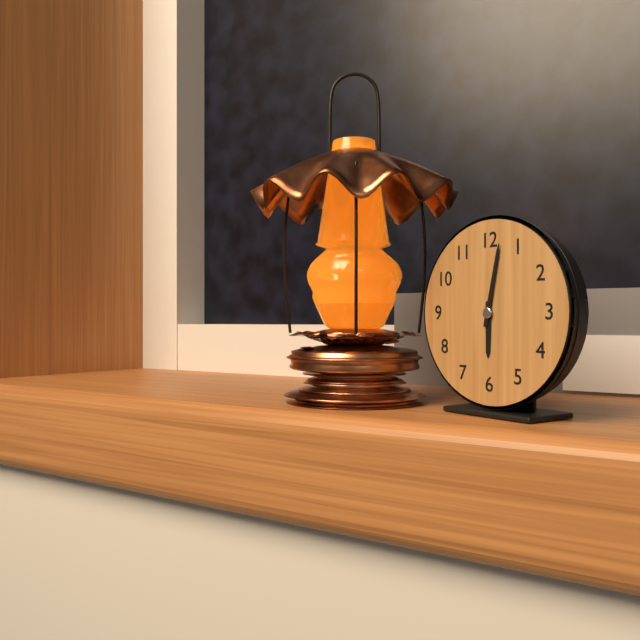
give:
6.02
